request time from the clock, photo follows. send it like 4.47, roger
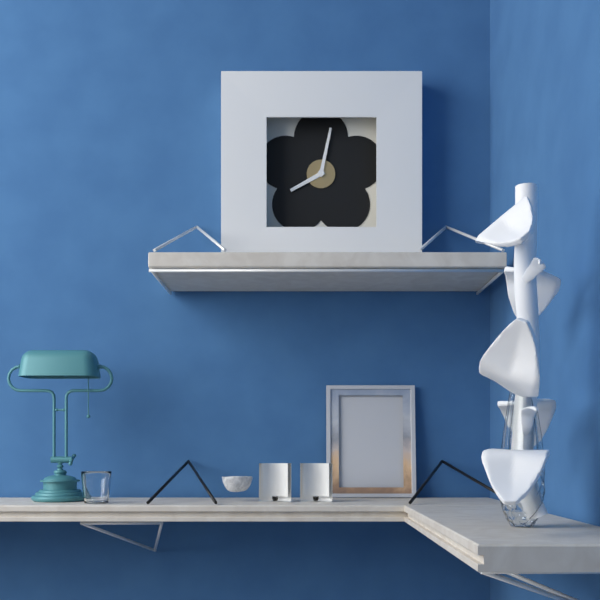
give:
8.02
